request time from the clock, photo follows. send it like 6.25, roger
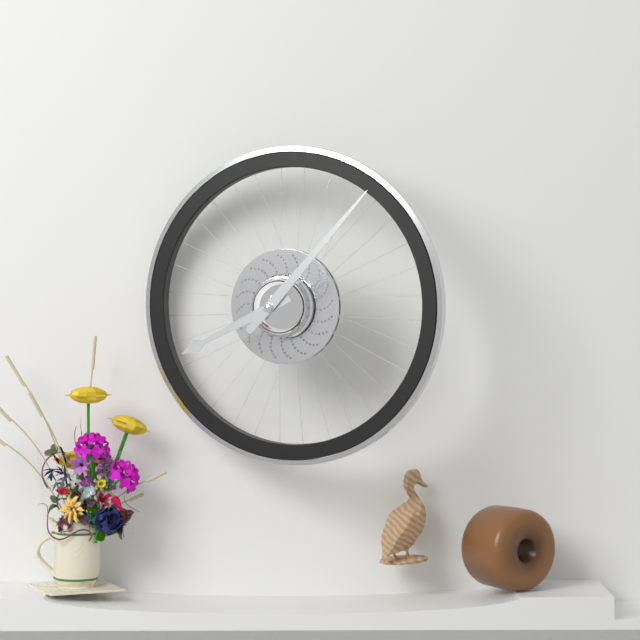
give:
8.07
